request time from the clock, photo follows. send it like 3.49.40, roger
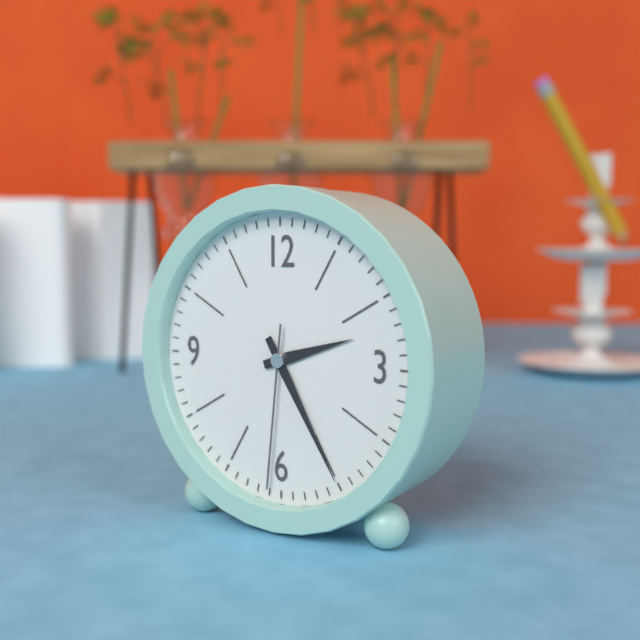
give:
2.25.31
